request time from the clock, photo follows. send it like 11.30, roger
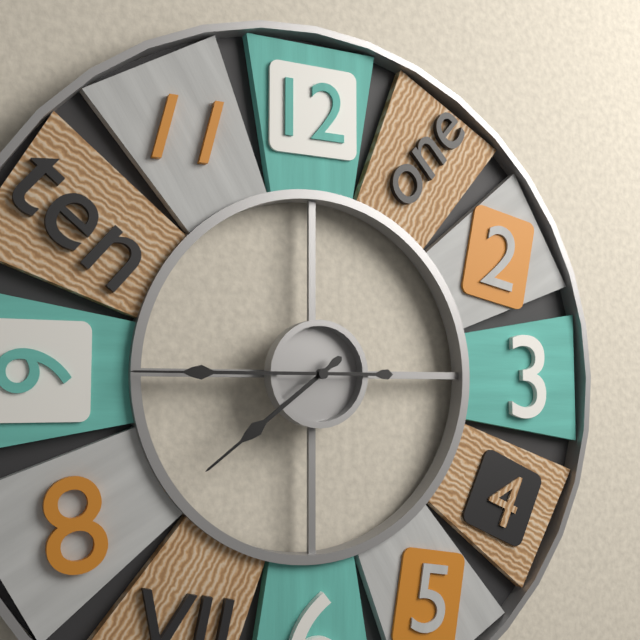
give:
7.45
